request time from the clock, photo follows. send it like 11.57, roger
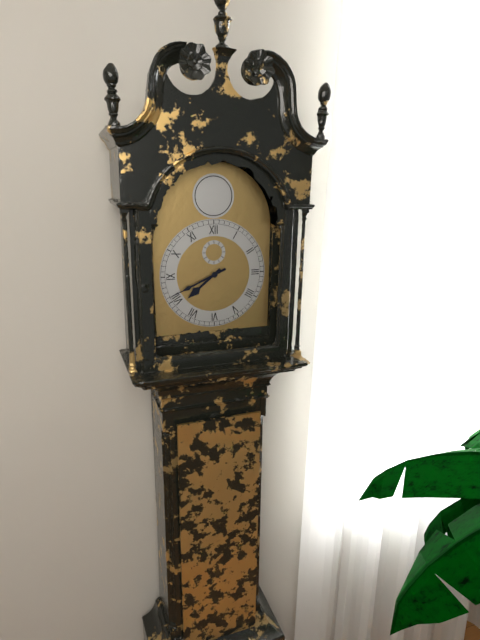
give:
7.41
